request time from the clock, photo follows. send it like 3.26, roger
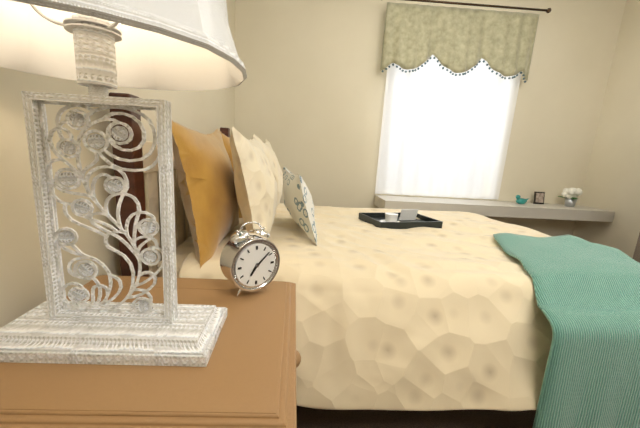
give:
7.08
